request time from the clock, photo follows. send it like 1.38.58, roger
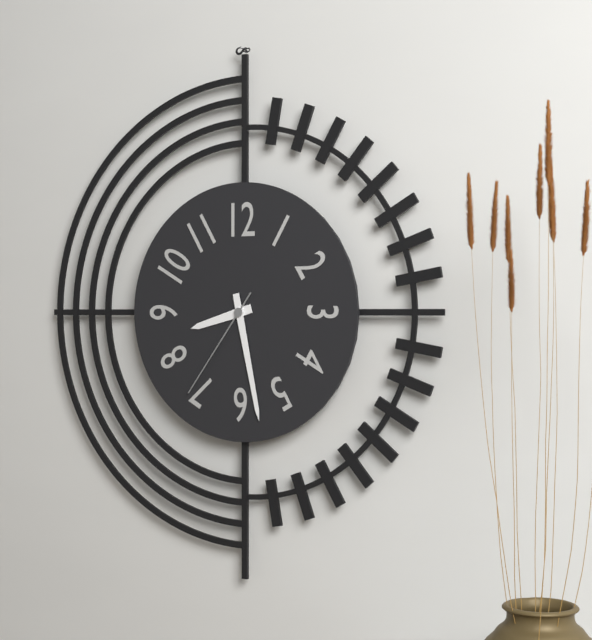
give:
8.28.36
